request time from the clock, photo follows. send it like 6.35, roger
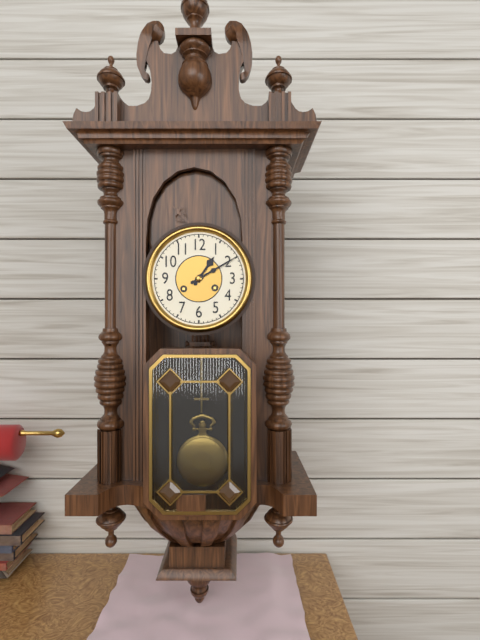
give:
1.10
